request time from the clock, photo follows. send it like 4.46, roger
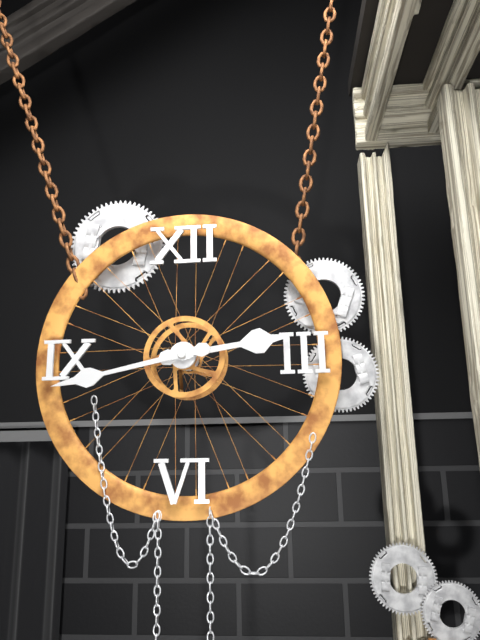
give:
2.43
